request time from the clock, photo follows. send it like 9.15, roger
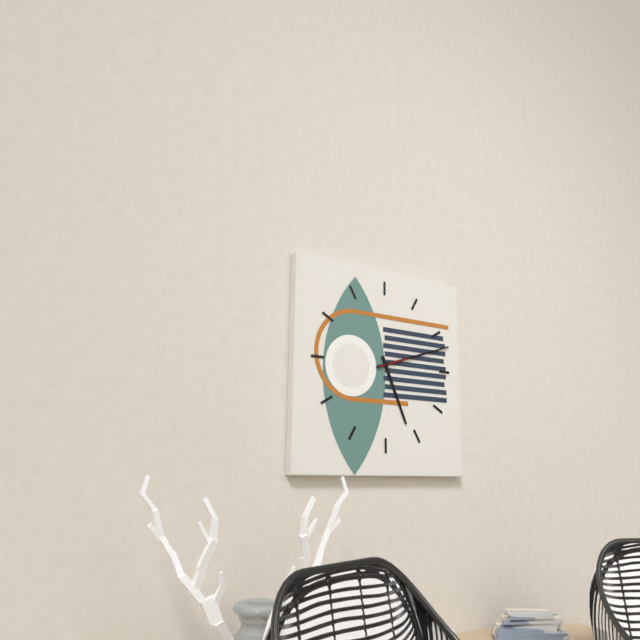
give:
5.12
